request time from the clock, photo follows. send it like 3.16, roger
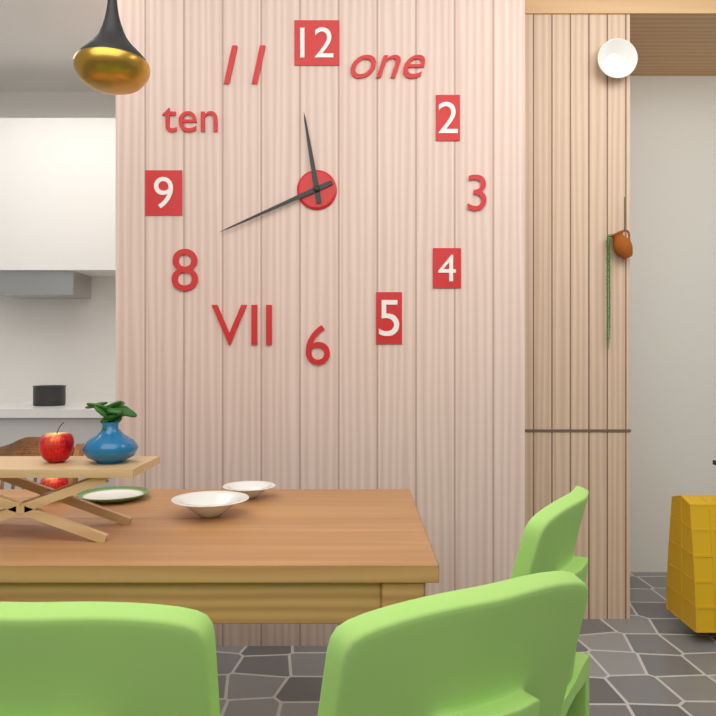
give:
11.41
